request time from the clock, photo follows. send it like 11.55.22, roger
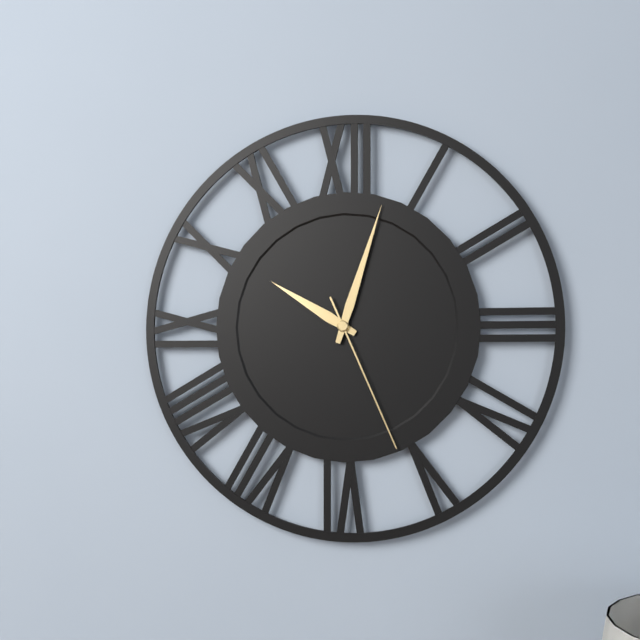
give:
10.03.26
